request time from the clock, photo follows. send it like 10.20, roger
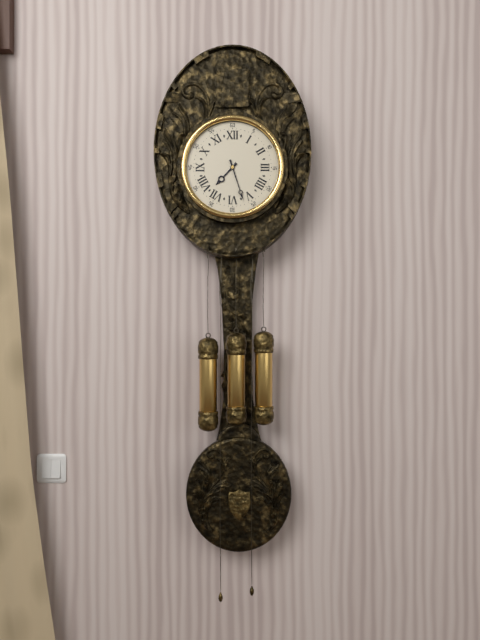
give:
7.27
